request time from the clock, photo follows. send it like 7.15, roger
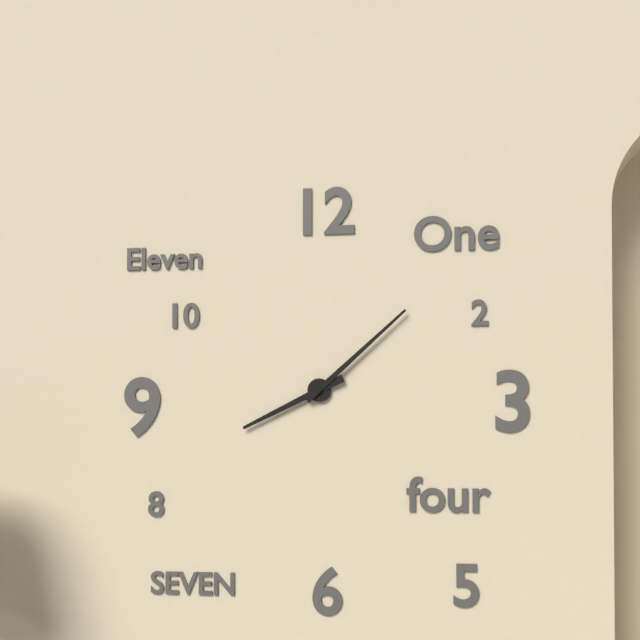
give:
8.08
